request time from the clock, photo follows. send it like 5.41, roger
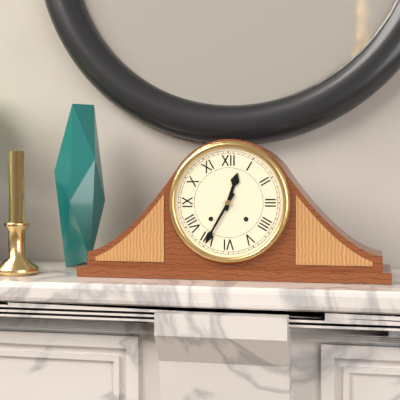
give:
12.35
